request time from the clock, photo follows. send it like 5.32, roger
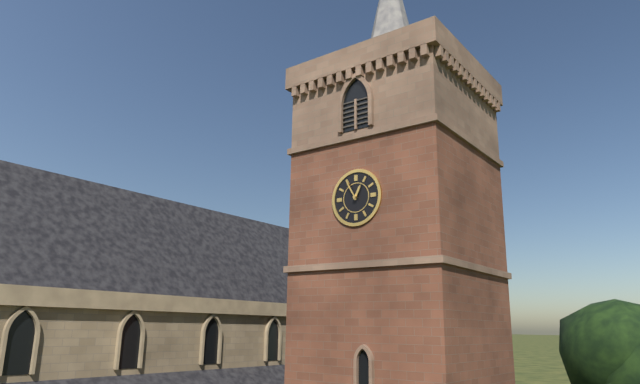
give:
12.55
